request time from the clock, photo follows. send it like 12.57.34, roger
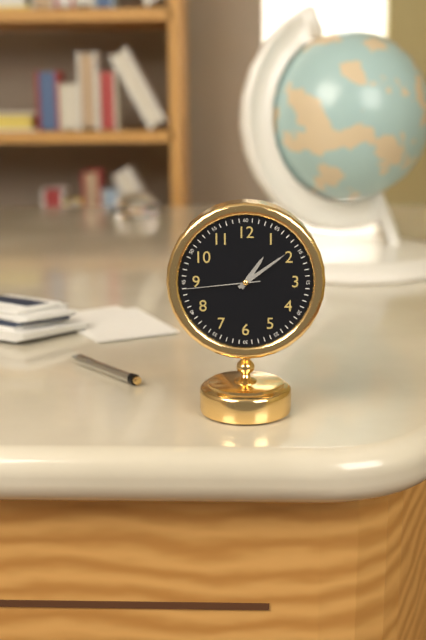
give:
1.09.44
